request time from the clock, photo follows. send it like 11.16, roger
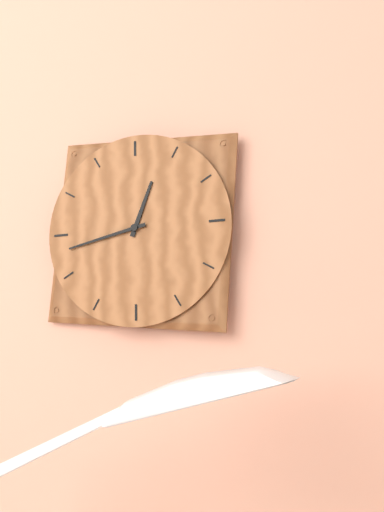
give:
12.43
